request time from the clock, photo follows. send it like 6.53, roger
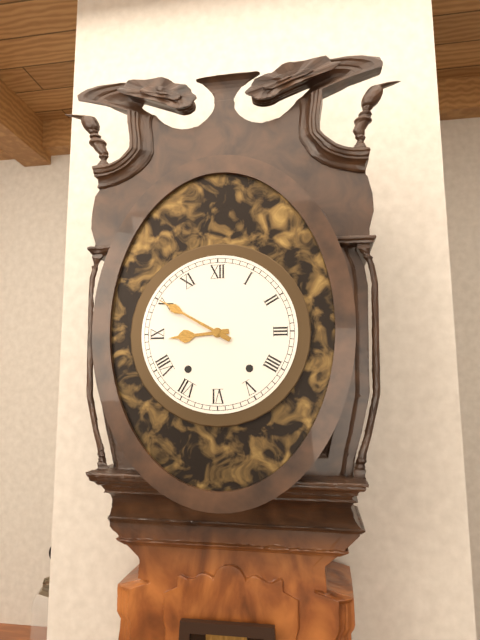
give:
8.50
